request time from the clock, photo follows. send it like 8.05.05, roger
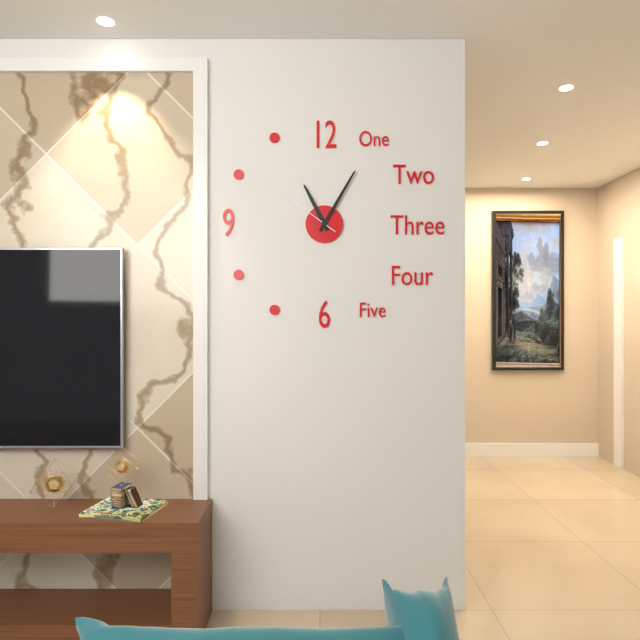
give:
11.05.51
